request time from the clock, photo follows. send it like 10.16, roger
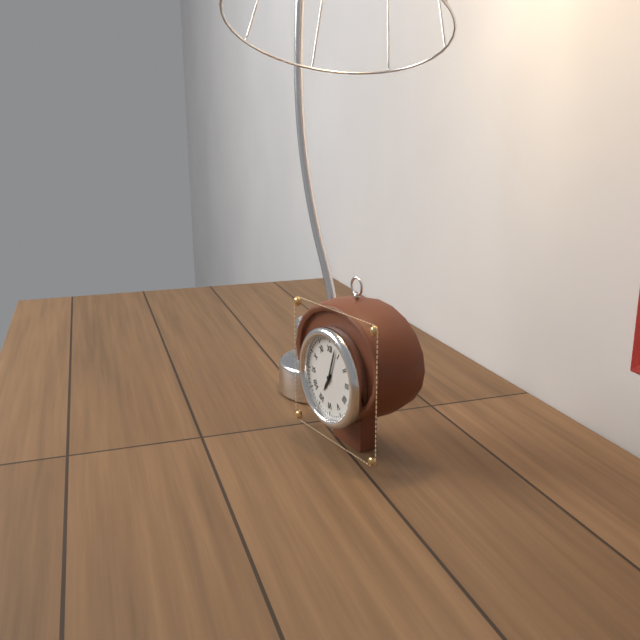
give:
7.03
